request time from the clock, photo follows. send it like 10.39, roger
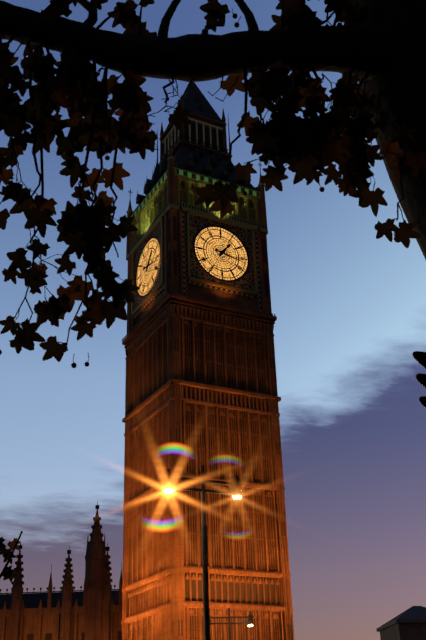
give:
1.17
